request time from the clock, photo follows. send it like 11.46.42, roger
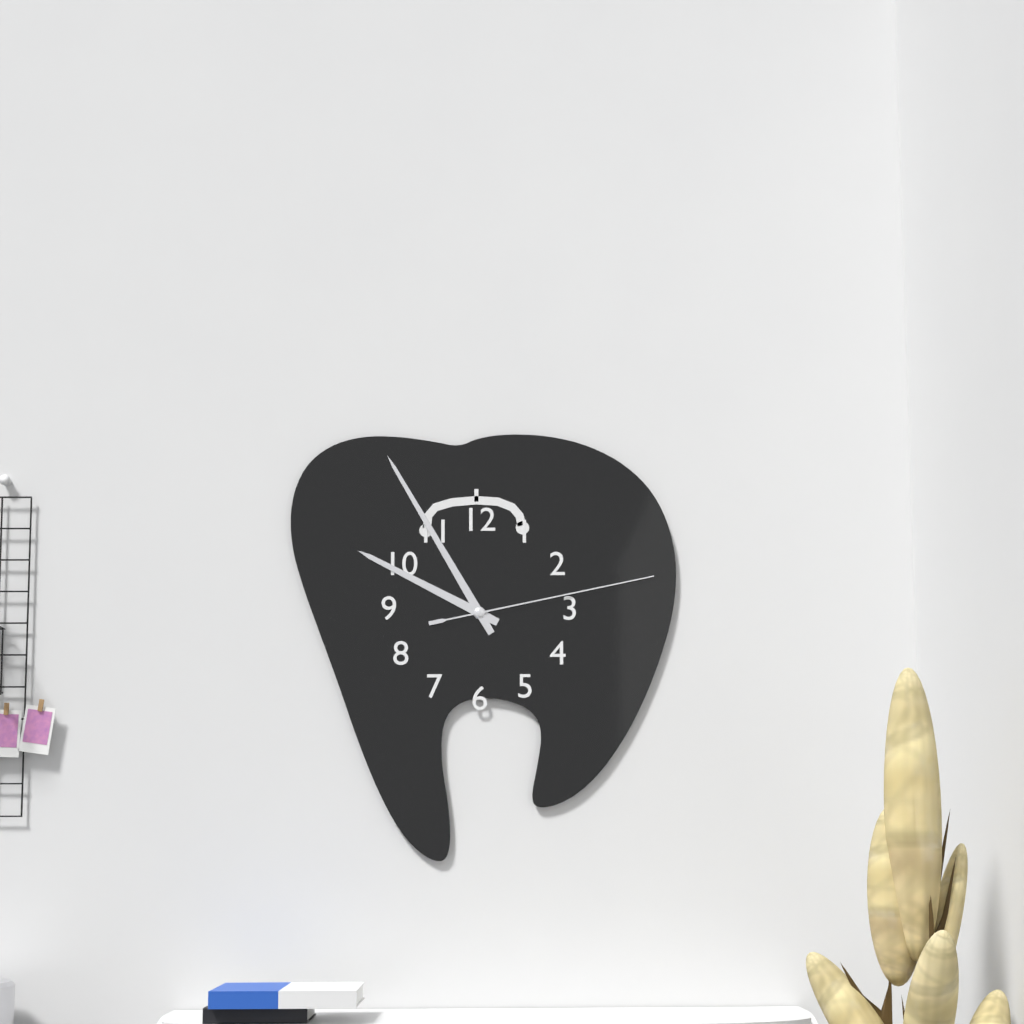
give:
9.55.13
